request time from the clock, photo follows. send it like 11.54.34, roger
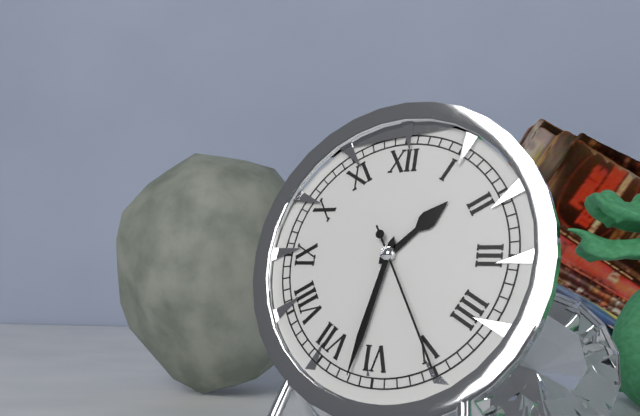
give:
1.32.25
